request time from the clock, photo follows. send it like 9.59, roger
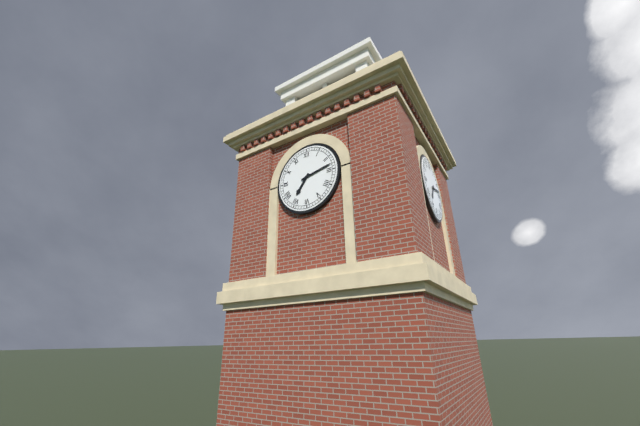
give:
7.13
